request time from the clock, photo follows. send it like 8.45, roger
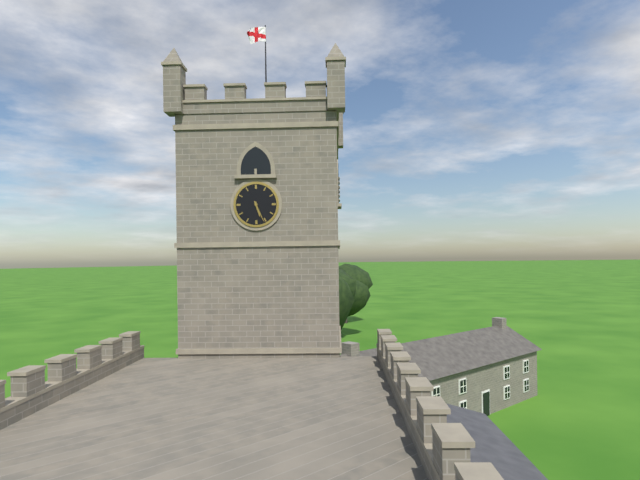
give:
5.26
